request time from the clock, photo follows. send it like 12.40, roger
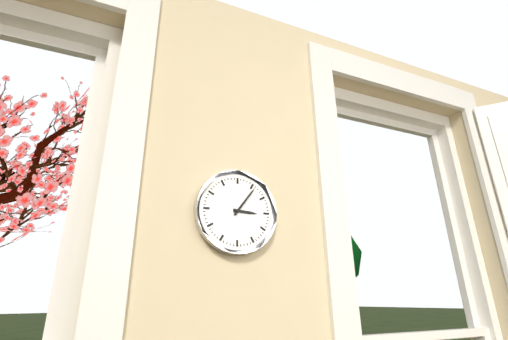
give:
3.06
